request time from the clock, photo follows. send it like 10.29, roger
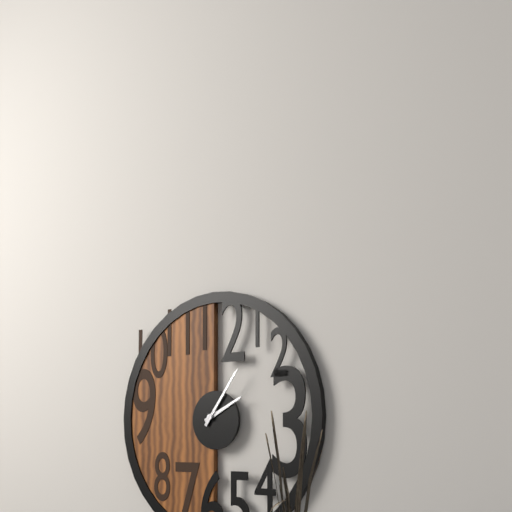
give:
2.06
